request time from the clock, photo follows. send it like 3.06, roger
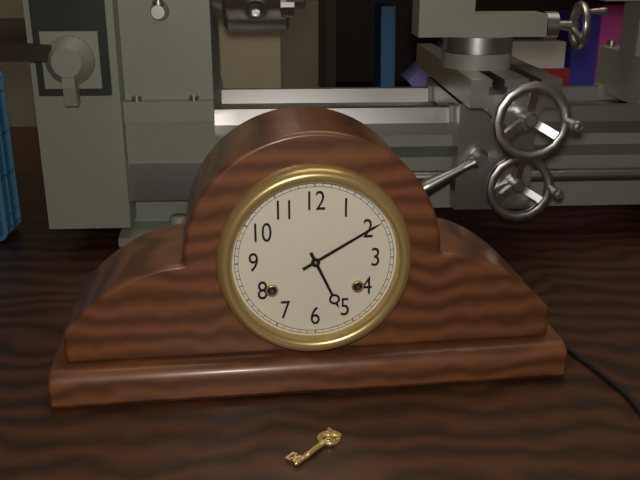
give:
5.10
